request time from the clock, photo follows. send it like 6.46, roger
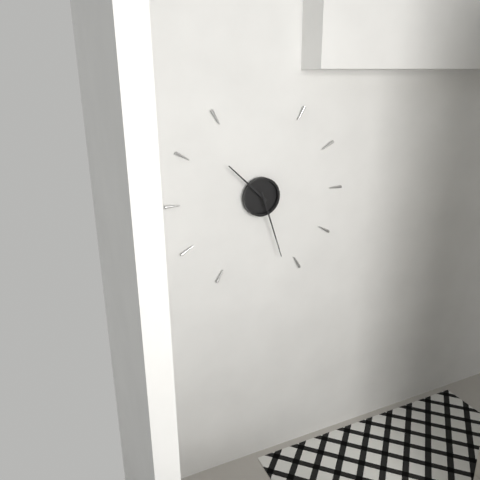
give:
10.27
